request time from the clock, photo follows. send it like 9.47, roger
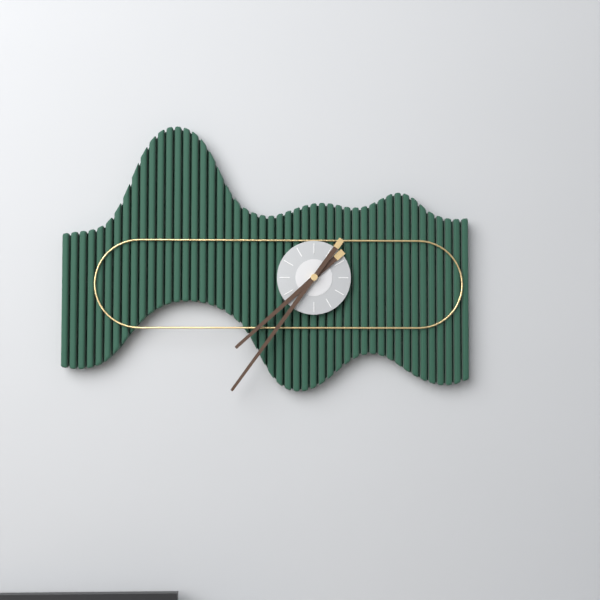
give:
7.36
